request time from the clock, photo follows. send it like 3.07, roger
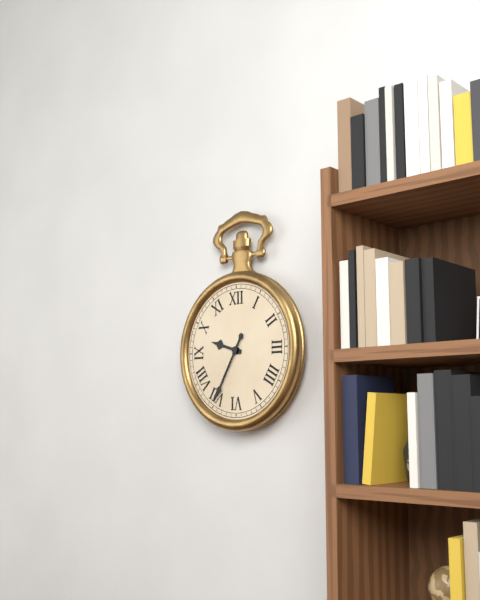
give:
9.35
